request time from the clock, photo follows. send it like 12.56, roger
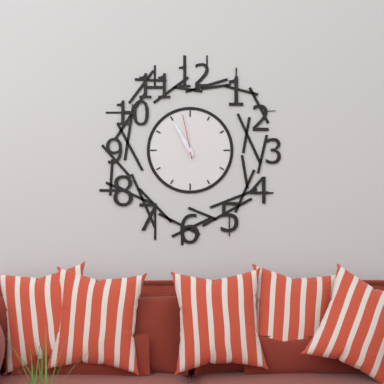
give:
10.55
